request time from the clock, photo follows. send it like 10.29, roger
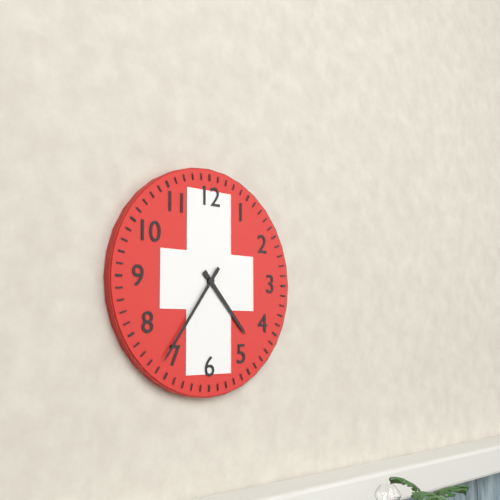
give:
4.36
